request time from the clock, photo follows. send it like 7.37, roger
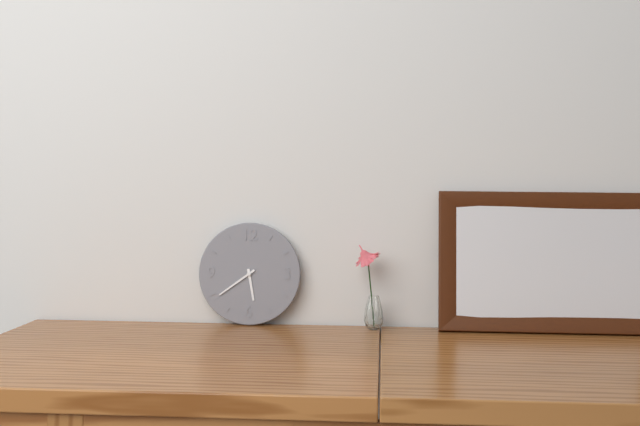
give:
5.39
